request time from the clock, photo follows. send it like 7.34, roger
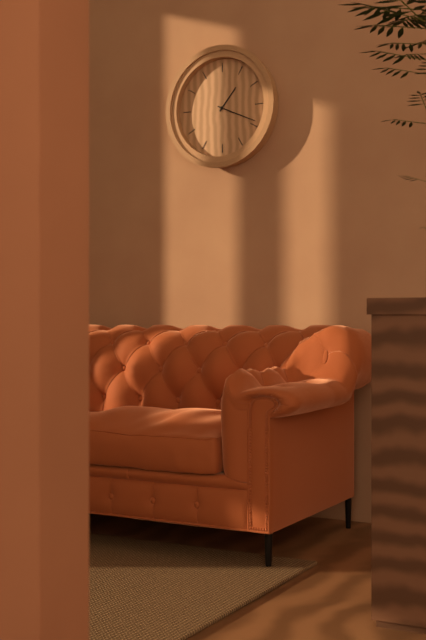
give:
1.19
